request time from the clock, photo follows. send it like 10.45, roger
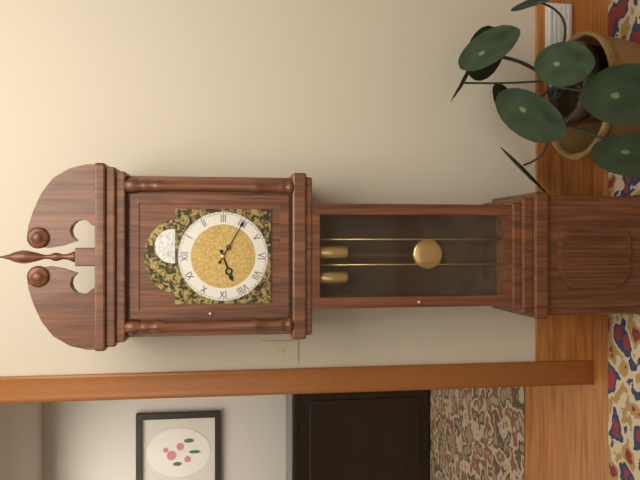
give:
8.20
